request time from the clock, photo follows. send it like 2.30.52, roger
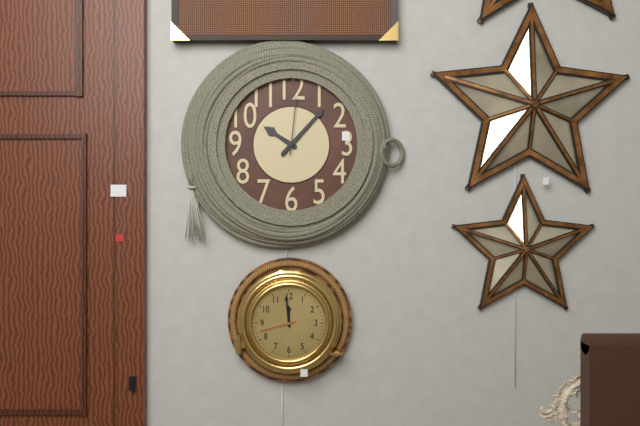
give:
10.07.01
